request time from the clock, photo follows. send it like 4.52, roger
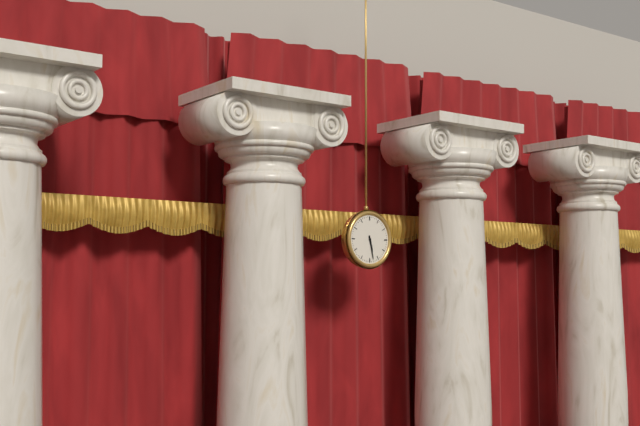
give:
5.28
